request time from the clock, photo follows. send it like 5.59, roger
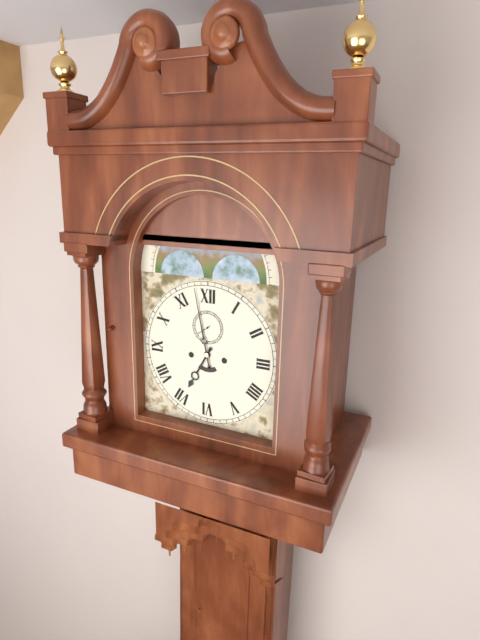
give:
6.58
